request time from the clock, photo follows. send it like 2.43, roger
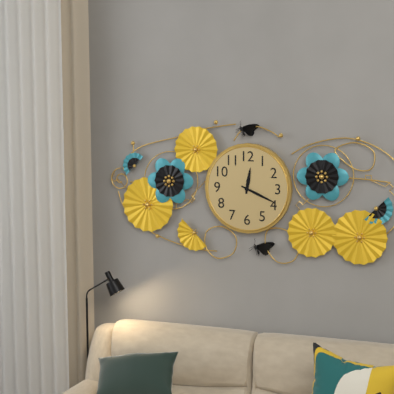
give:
12.19
